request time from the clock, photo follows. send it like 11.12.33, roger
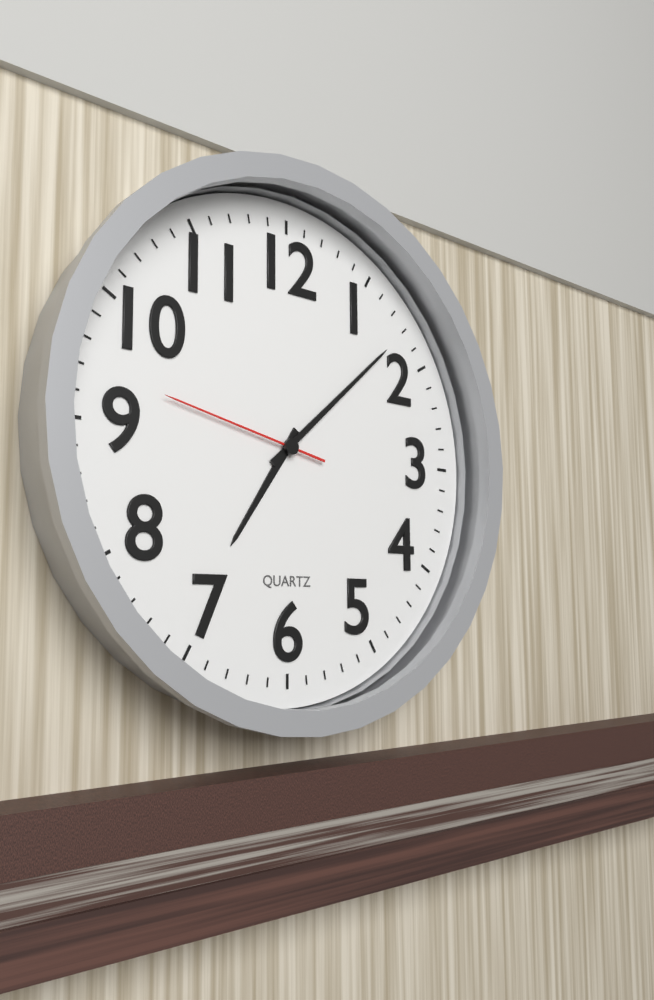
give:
7.08.47
